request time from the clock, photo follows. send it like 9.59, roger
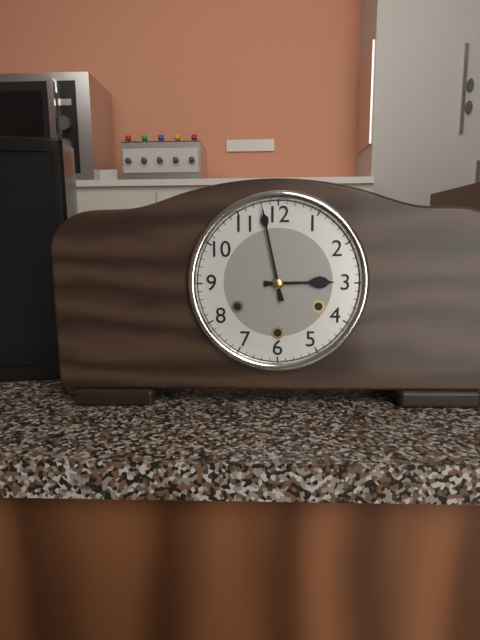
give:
2.58
